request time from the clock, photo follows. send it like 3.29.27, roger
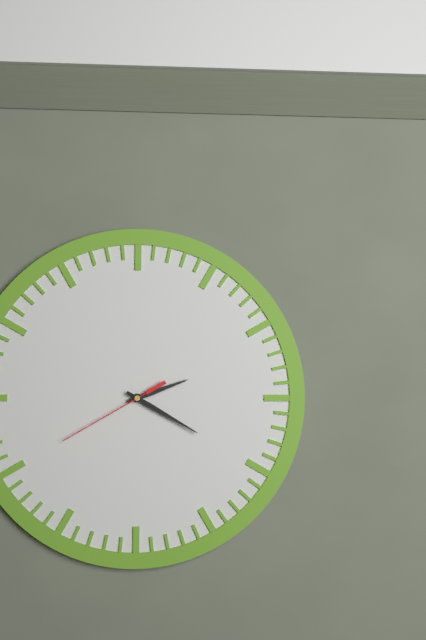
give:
2.20.40
